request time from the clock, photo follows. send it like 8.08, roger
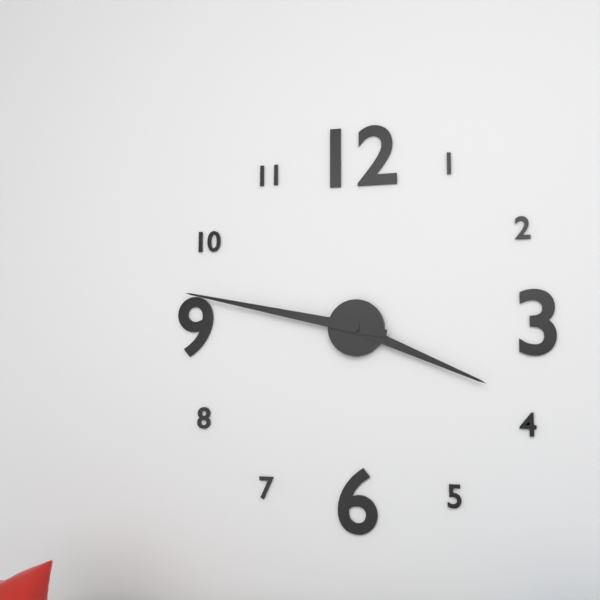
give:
3.47
